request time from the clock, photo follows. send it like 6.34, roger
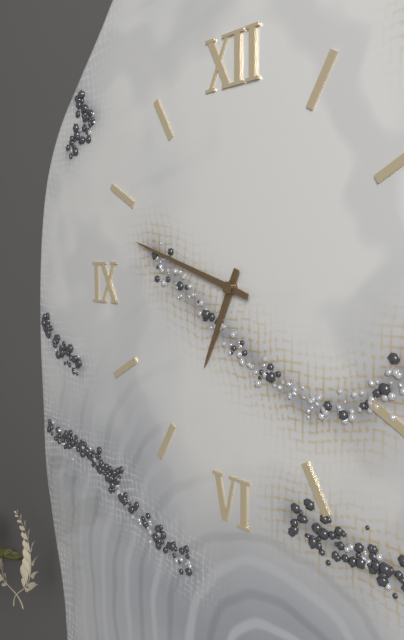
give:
6.48
